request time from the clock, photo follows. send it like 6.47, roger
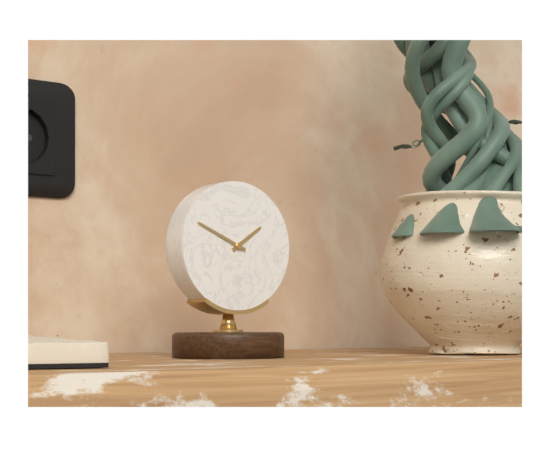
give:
1.49
